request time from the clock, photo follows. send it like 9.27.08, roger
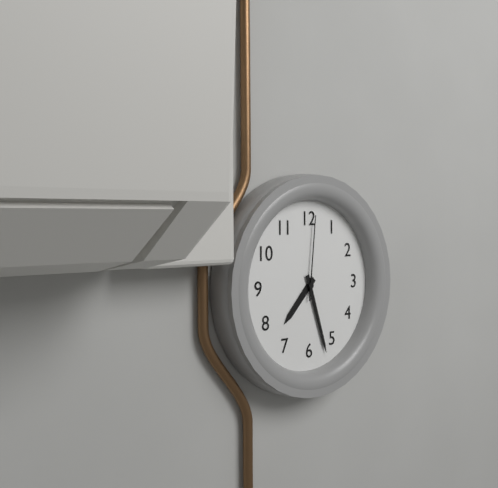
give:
7.27.01
